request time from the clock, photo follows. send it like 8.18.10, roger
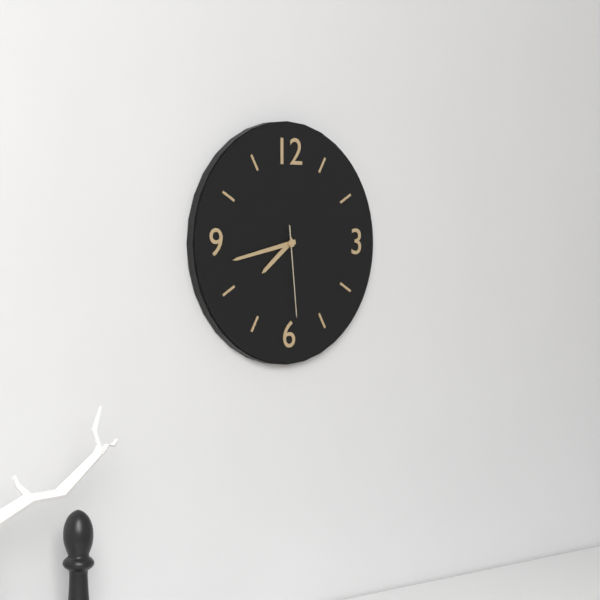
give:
7.43.29
